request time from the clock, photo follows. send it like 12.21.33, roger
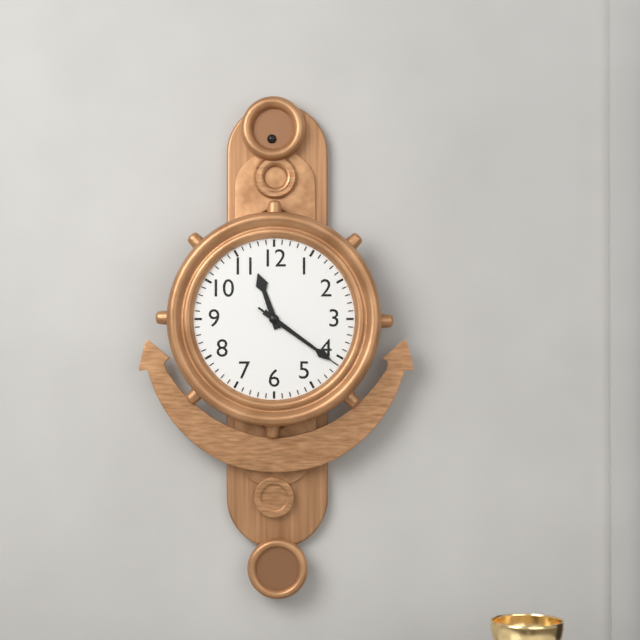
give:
11.21.21
